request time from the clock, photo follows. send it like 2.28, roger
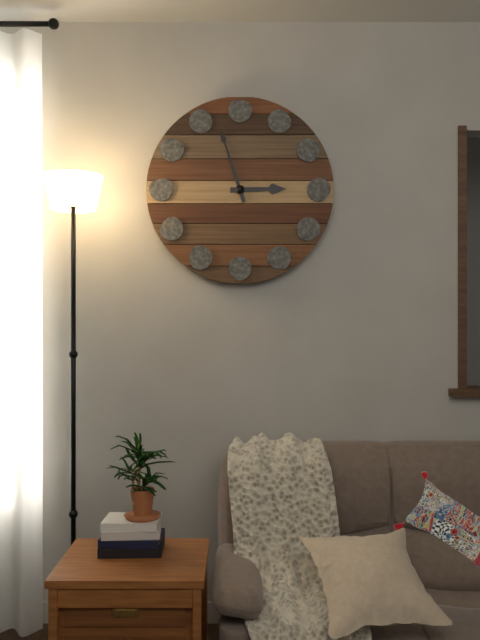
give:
2.57
